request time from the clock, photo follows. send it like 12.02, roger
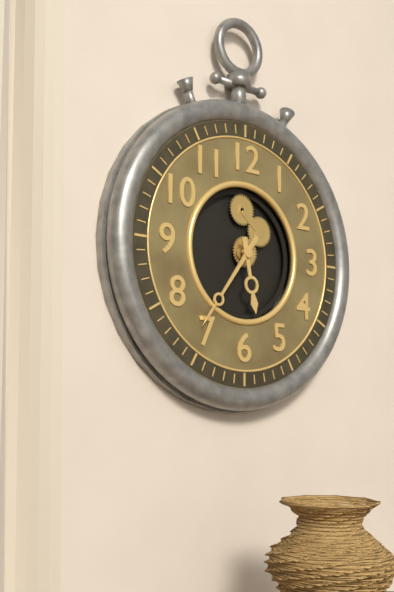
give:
5.36
